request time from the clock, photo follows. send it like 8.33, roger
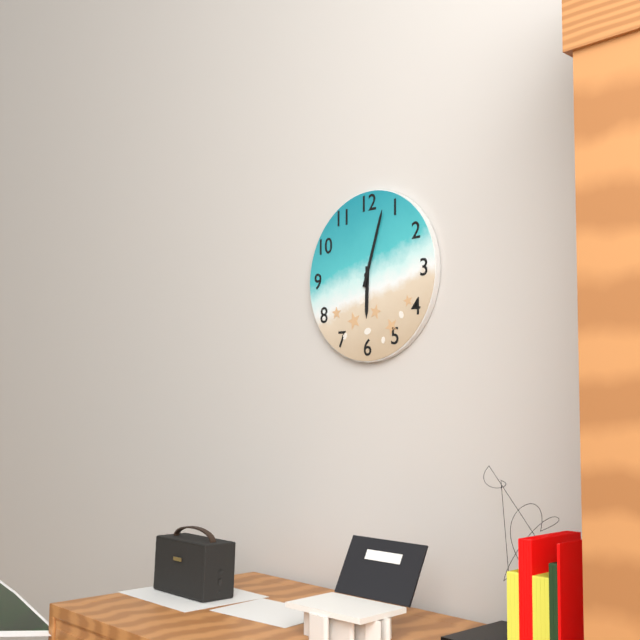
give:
6.03
